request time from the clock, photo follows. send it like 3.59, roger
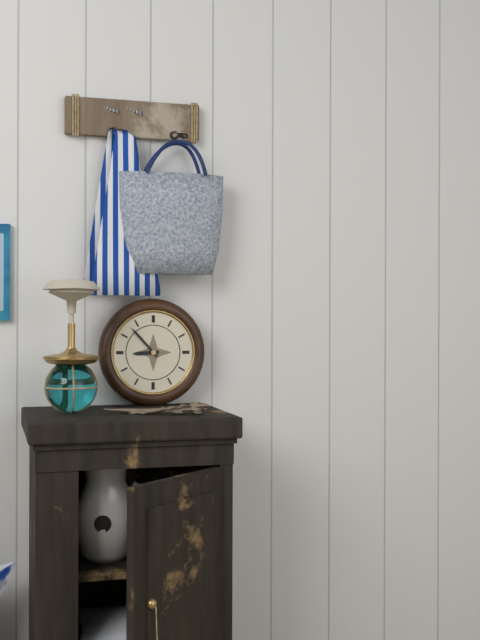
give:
8.53
